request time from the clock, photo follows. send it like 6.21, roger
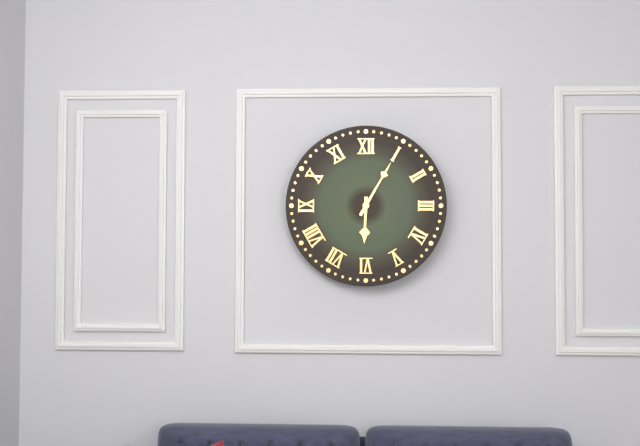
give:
6.05
